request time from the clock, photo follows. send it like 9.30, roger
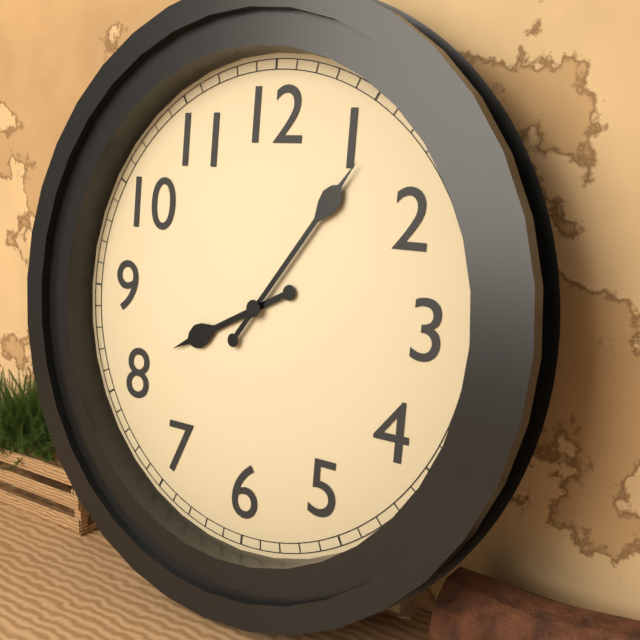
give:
8.06
